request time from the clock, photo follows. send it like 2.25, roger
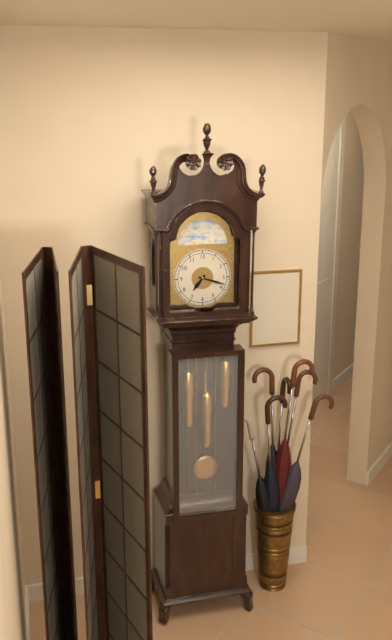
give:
7.18
